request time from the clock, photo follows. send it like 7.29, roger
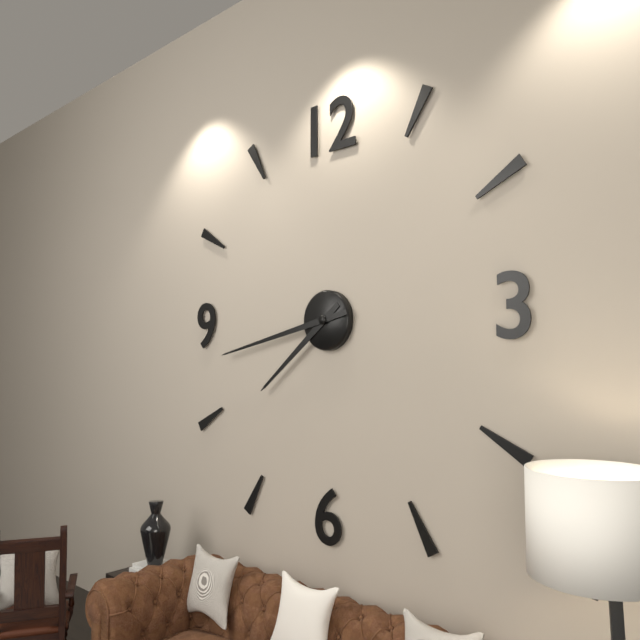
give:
7.43
